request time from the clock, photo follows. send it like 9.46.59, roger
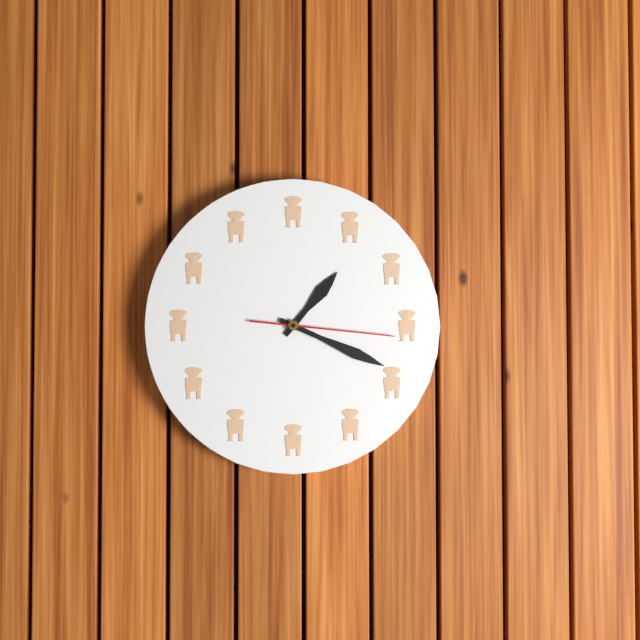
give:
1.19.16
